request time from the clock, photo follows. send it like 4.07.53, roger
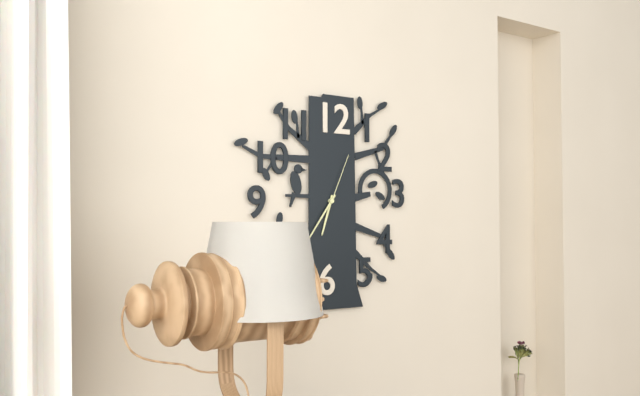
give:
6.36.04
